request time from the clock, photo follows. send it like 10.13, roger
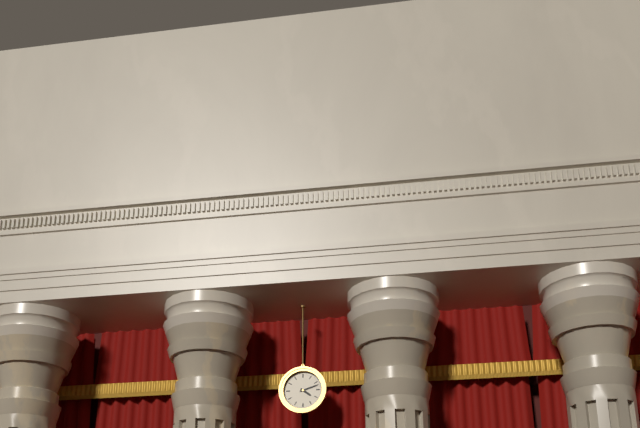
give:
4.12
